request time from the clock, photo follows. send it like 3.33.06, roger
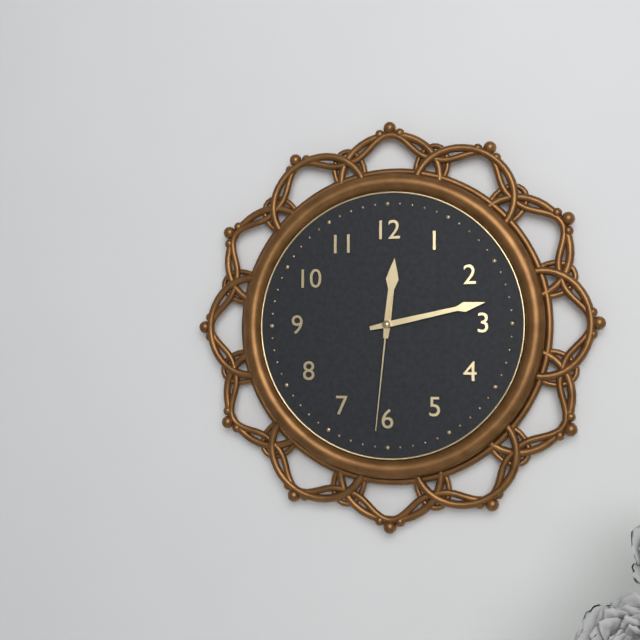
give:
12.13.31
